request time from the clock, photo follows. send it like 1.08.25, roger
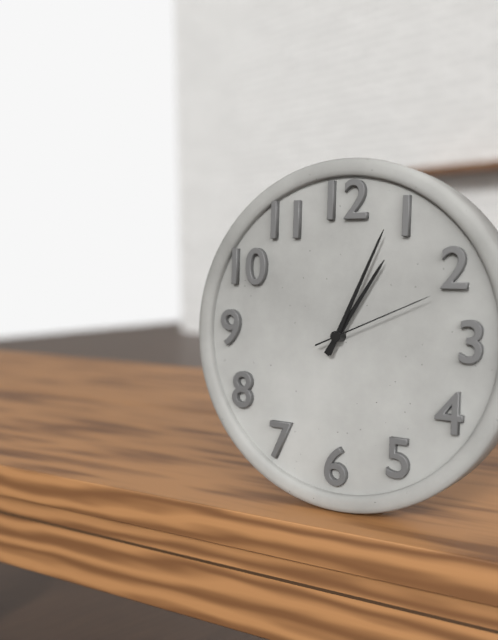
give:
1.04.11
